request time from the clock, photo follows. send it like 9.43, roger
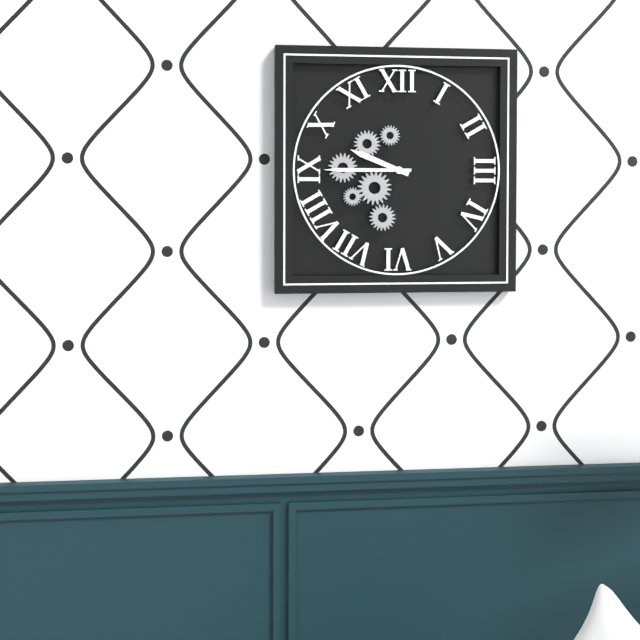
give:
9.45
